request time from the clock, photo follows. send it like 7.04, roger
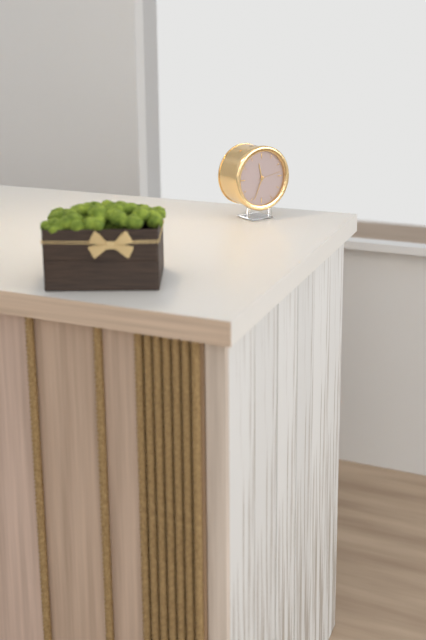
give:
11.34
